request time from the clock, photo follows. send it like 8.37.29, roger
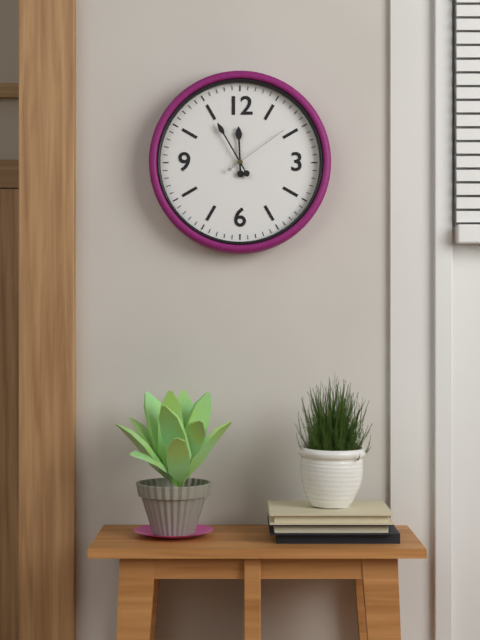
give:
11.55.09
